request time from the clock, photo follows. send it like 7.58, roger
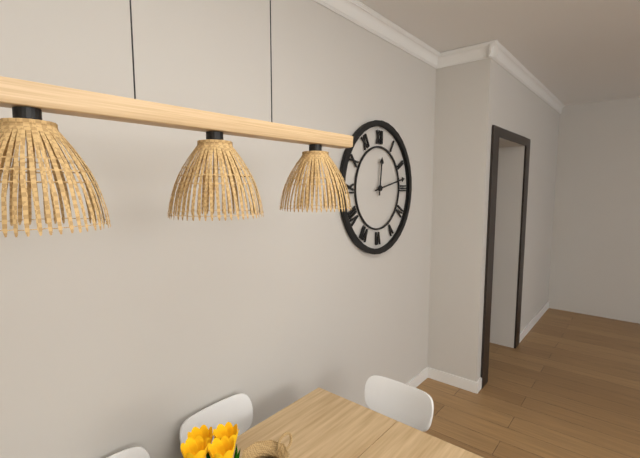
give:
12.13
